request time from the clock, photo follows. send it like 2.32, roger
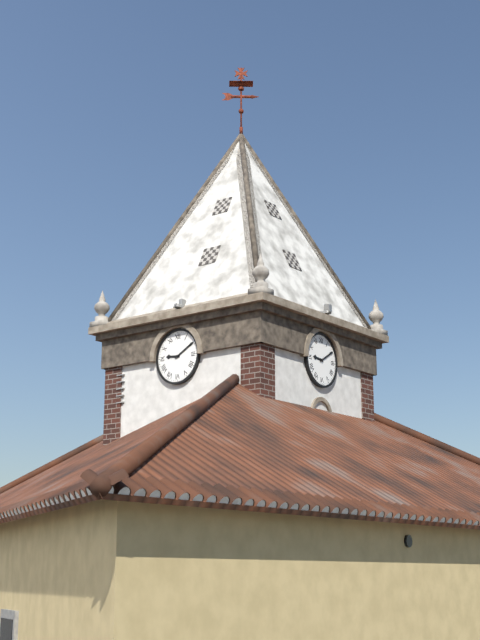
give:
9.10
